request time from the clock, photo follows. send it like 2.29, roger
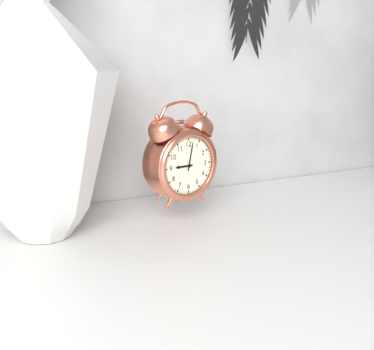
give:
9.02
